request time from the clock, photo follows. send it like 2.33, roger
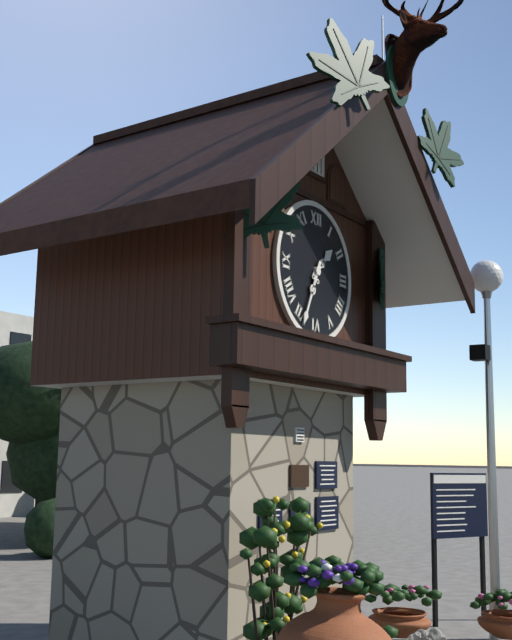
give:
1.34
